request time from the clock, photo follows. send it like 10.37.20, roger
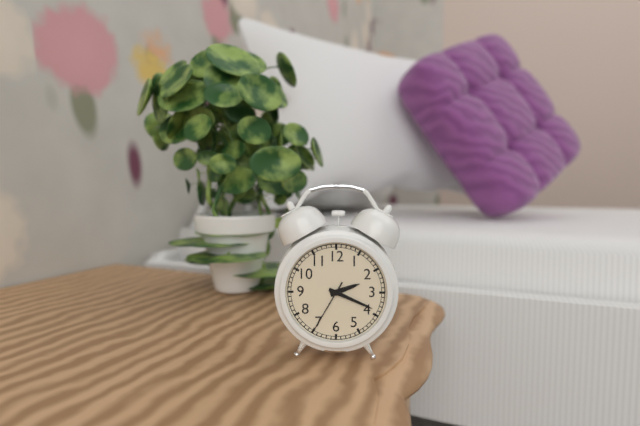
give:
2.19.35
